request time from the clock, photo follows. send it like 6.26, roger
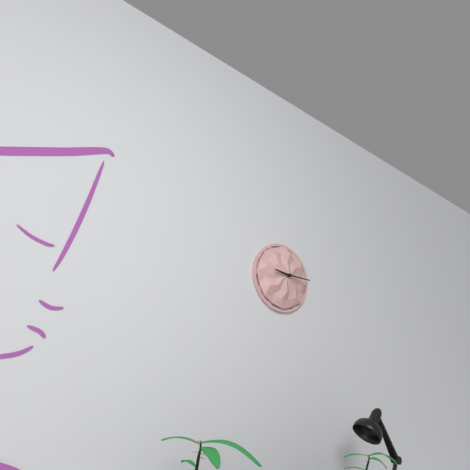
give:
9.15
